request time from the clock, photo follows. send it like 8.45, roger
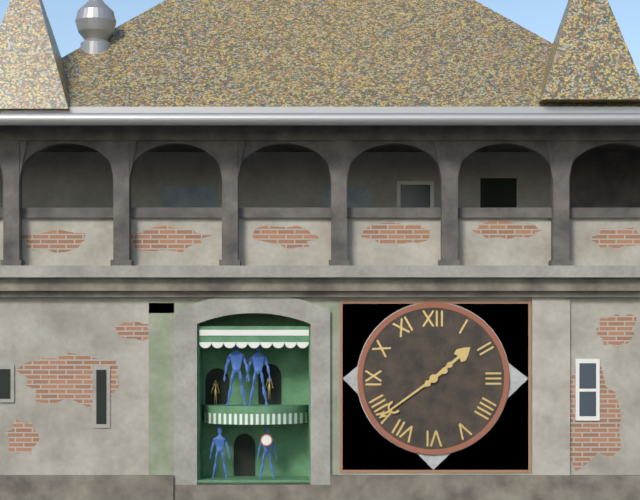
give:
1.39
